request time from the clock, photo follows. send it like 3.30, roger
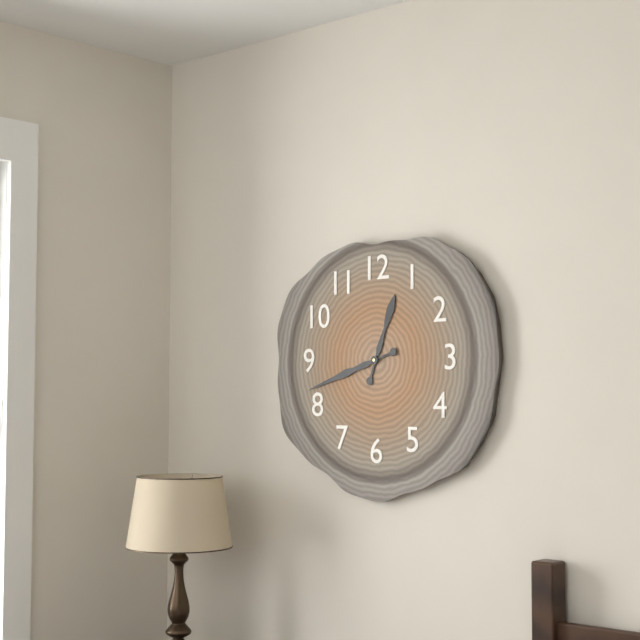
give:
12.42
